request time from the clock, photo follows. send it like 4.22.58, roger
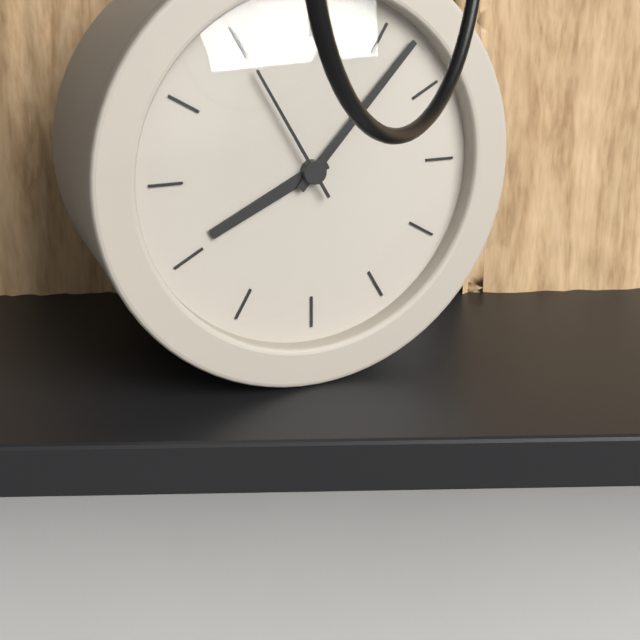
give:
8.07.55
